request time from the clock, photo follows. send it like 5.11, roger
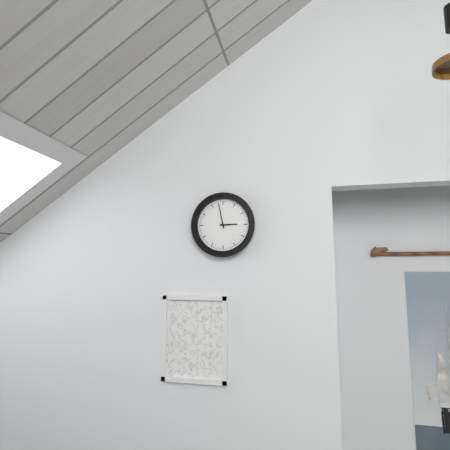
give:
2.58
